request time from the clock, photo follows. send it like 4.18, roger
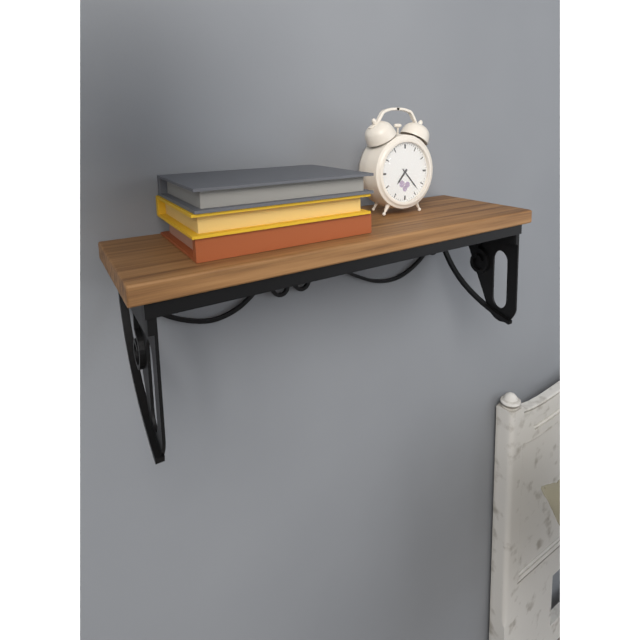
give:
7.23
